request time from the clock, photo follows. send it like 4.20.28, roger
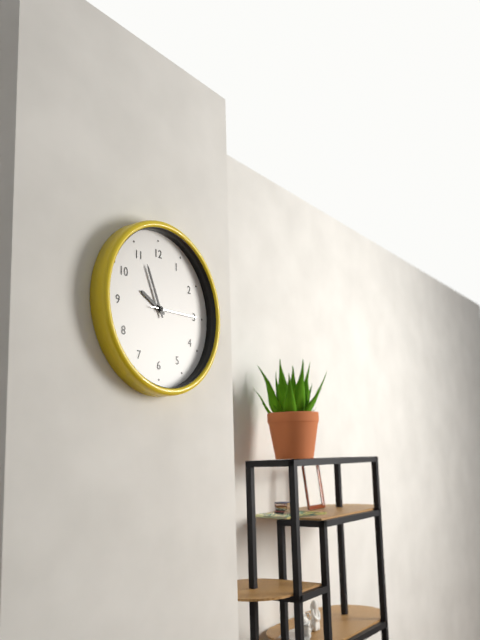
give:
9.56.15
